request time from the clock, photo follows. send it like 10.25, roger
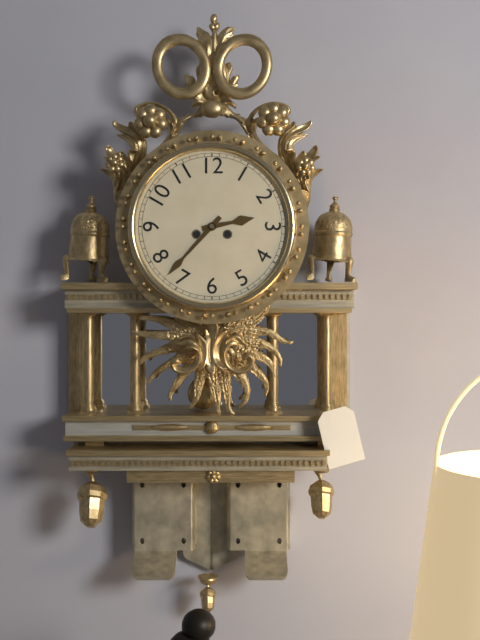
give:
2.37
